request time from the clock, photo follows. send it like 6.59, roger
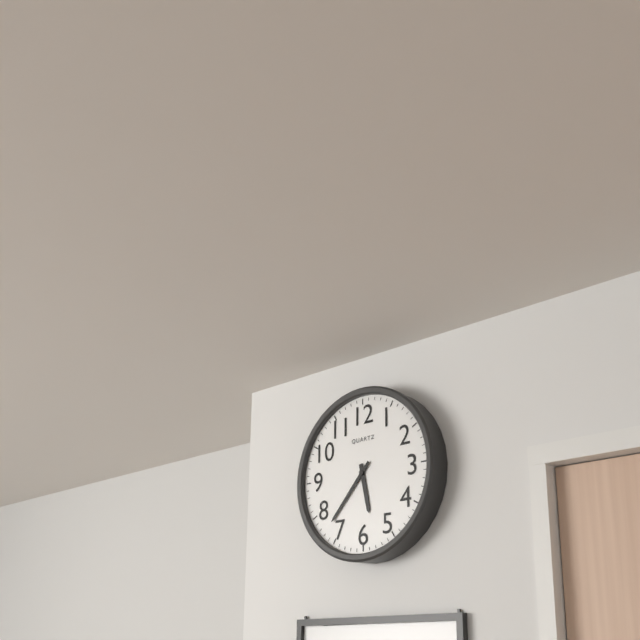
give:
5.37
